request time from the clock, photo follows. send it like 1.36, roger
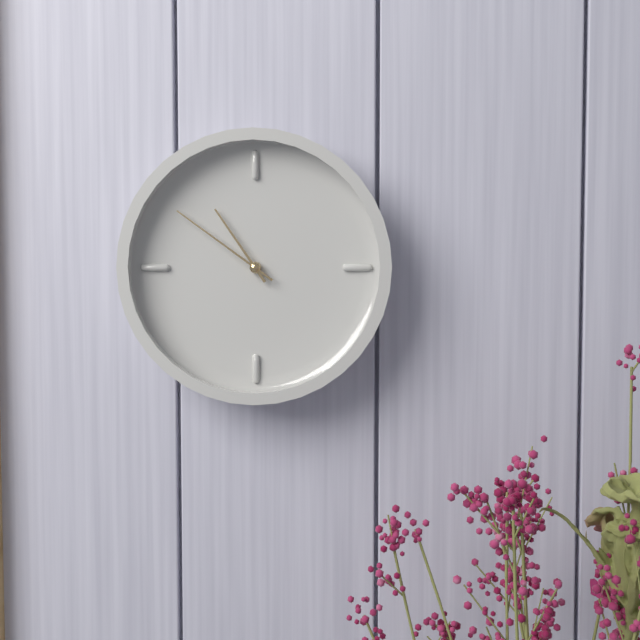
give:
10.51
